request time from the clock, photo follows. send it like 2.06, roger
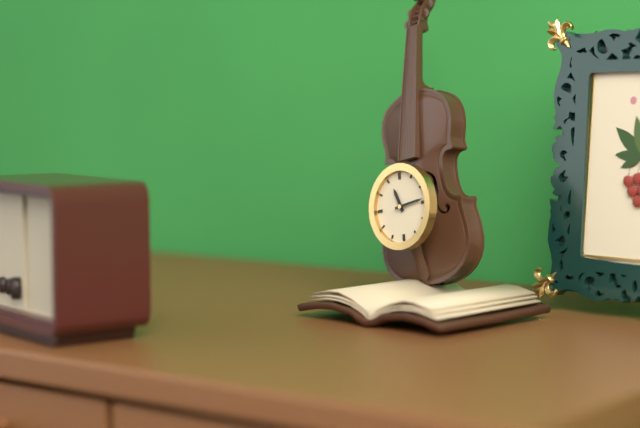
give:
11.14
